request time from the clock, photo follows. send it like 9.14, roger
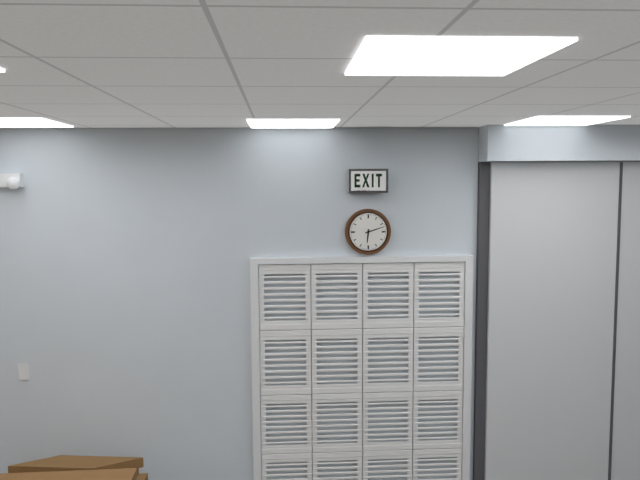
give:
6.12
